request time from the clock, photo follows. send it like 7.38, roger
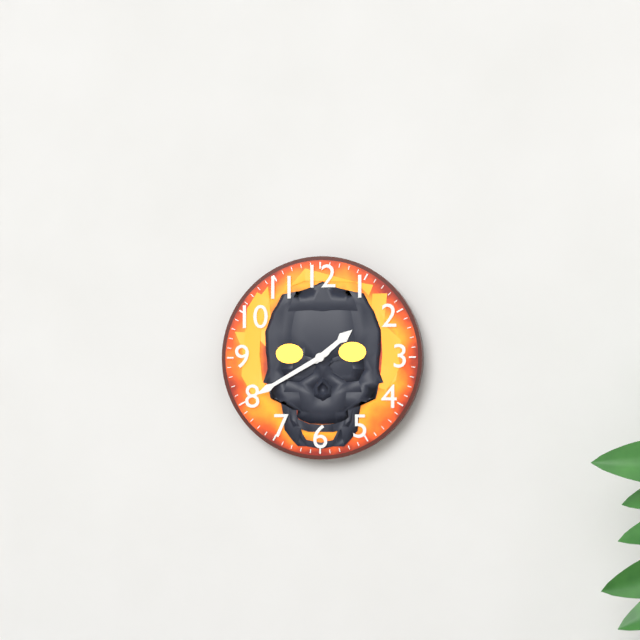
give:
1.40
